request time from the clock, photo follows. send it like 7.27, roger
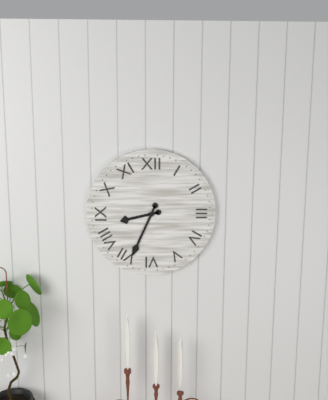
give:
8.34
